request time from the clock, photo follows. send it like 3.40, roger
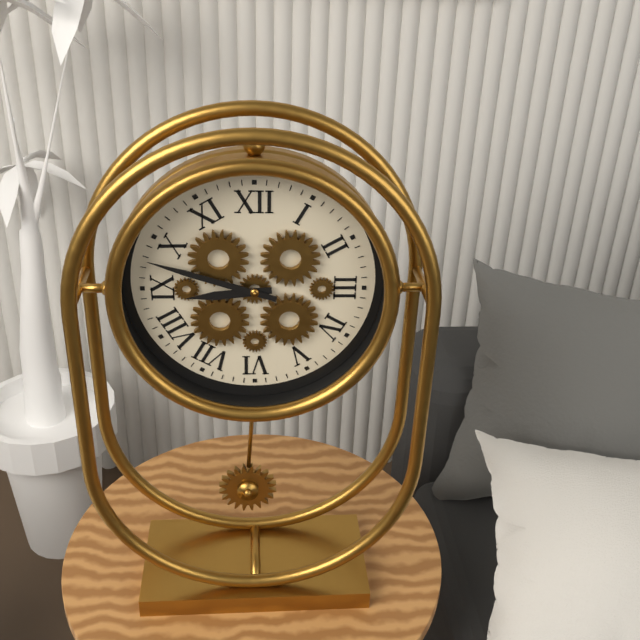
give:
8.48
